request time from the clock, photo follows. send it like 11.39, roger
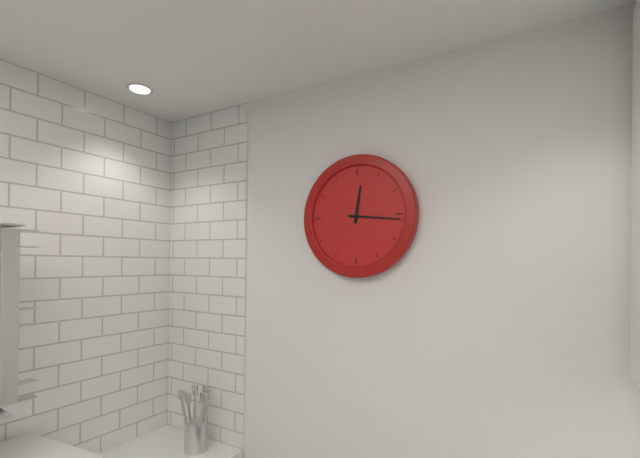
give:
12.16
